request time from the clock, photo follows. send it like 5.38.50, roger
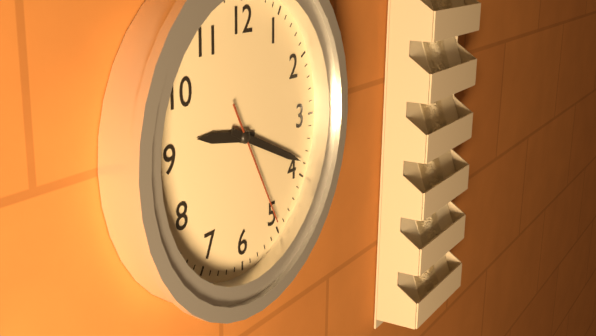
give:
9.19.25
